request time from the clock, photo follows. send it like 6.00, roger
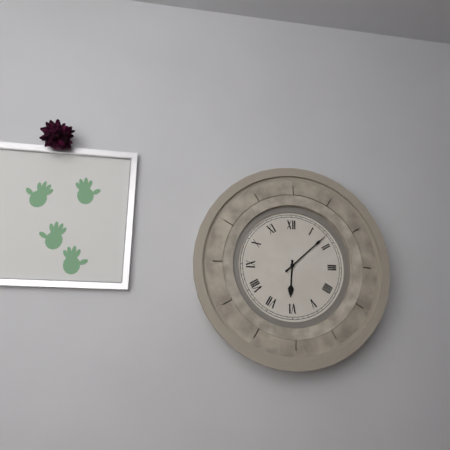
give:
6.08
